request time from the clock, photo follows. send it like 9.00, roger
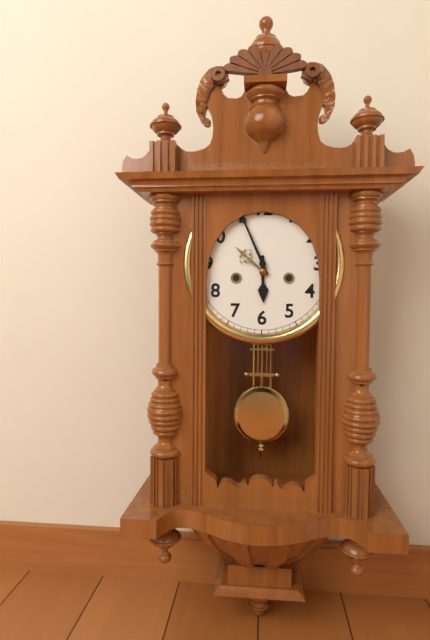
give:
5.56
